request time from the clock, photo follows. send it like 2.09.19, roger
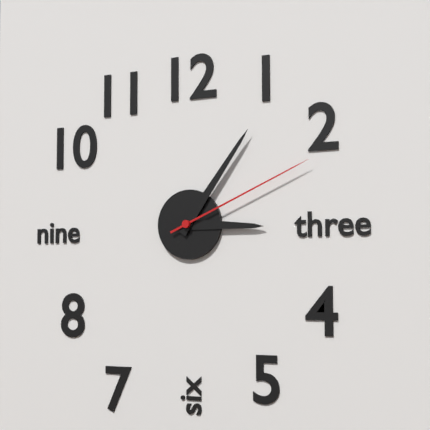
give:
3.06.11
